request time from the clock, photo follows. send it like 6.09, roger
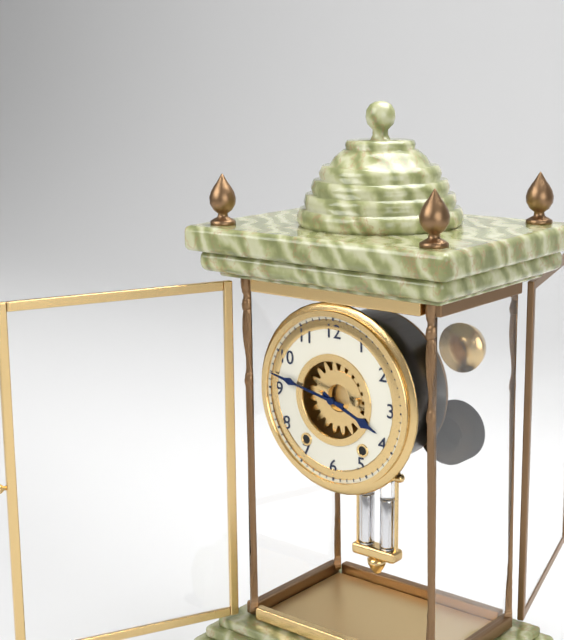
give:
3.47
